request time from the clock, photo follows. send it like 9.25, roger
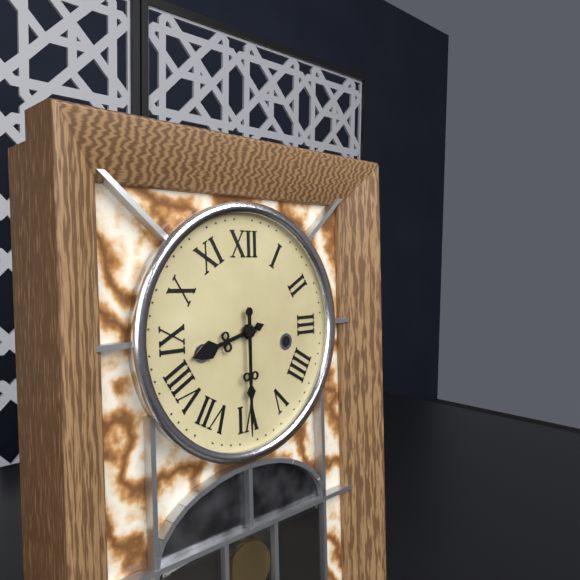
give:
8.30
